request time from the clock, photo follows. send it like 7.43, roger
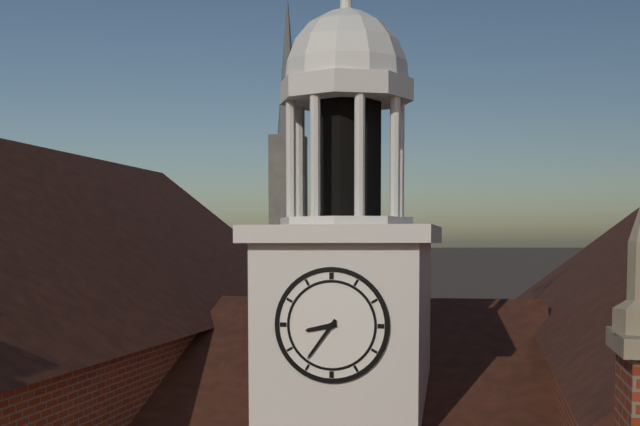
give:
8.36
